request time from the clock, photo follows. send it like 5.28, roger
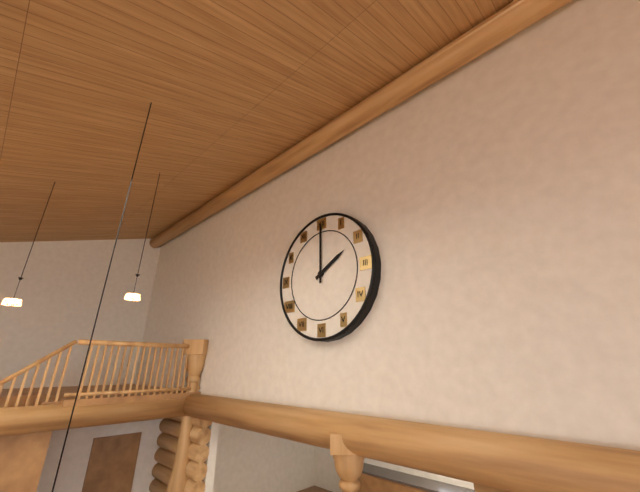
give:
2.00
